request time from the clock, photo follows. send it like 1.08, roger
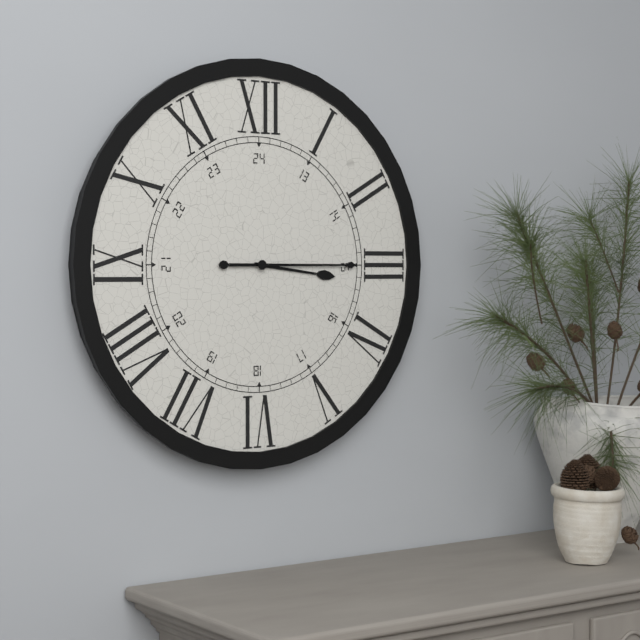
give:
3.15
